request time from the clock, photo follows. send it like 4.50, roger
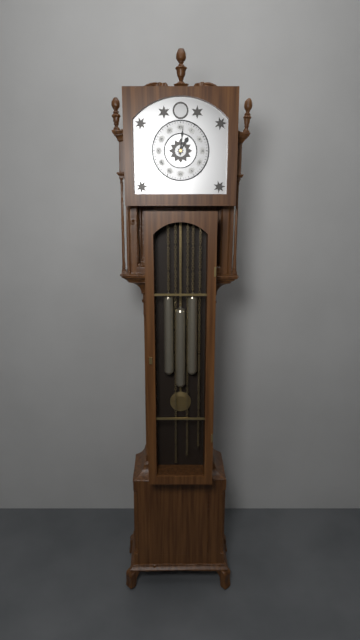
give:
1.01
